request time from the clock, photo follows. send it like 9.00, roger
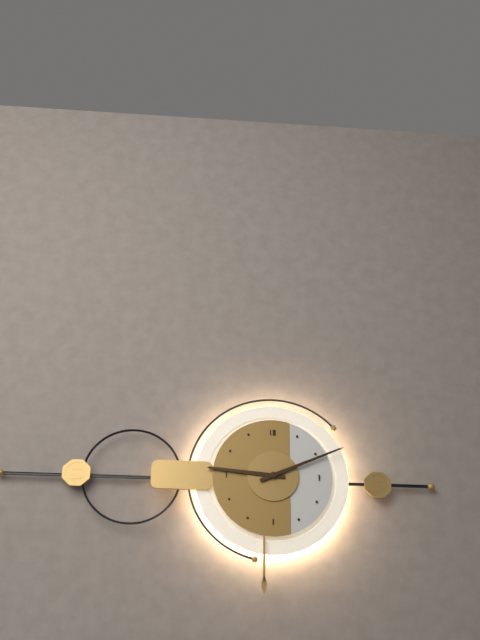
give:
9.11
